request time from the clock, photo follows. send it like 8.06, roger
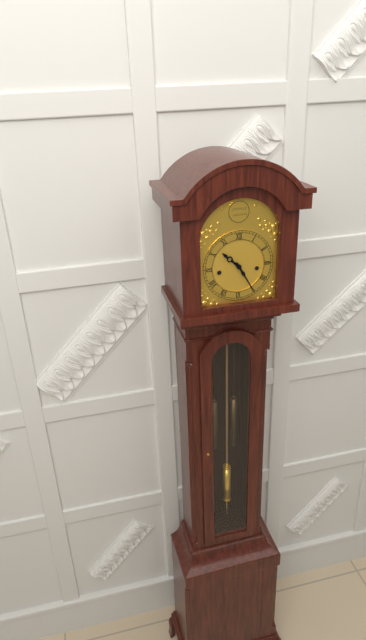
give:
10.25
